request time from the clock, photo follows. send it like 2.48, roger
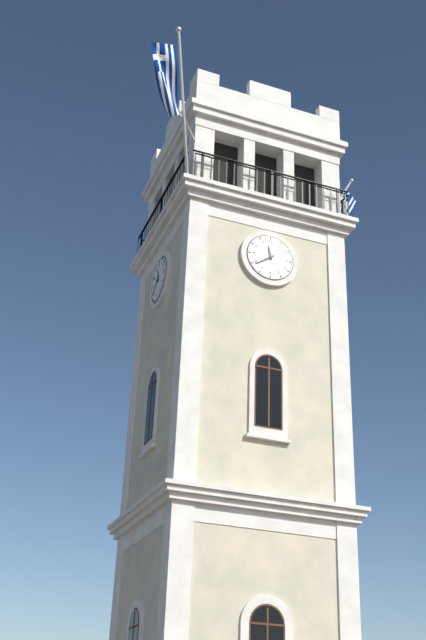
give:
11.39
